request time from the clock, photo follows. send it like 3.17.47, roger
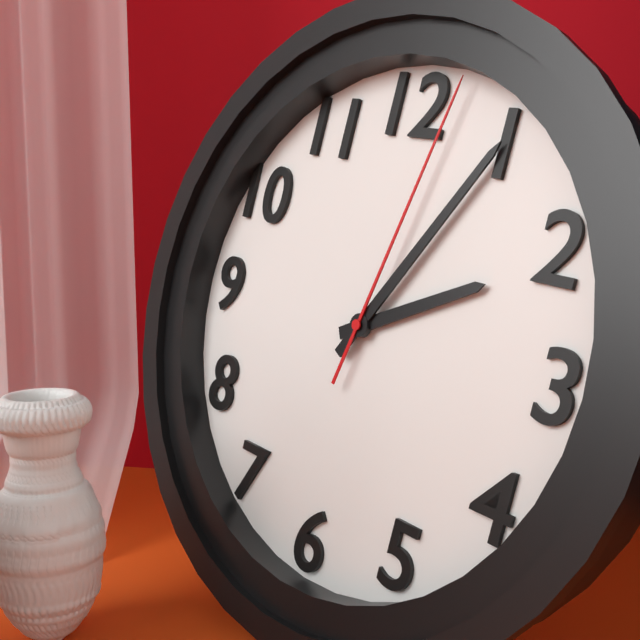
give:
2.05.02
